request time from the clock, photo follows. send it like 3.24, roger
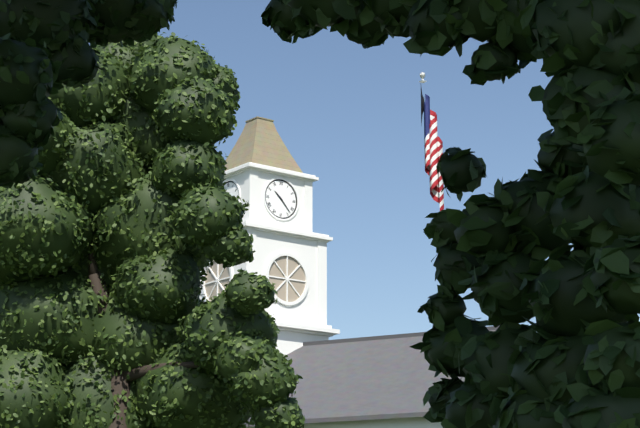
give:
10.23
